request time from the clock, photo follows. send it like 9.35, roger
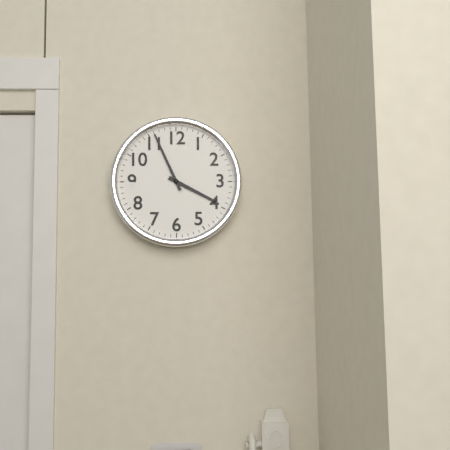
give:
3.56
